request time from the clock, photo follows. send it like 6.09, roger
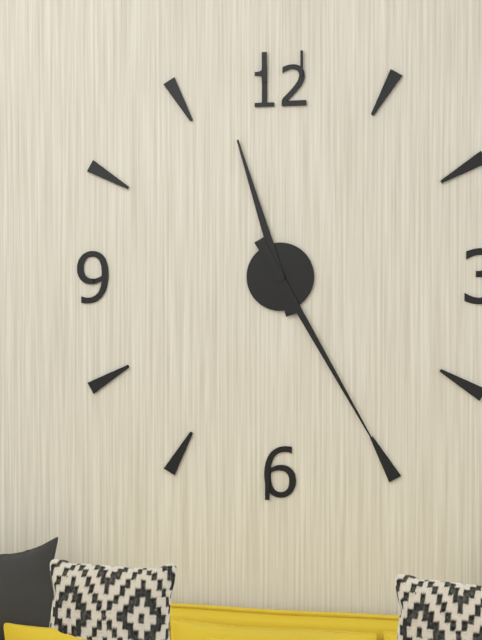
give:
11.25
